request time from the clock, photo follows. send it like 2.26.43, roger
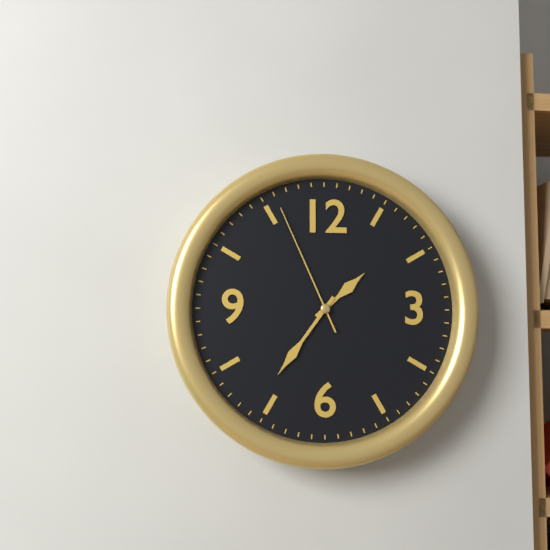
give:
1.36.56
